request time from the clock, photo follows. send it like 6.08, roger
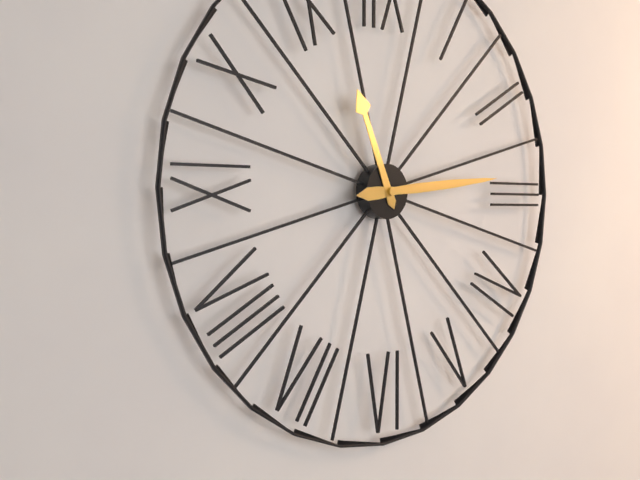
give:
11.14
